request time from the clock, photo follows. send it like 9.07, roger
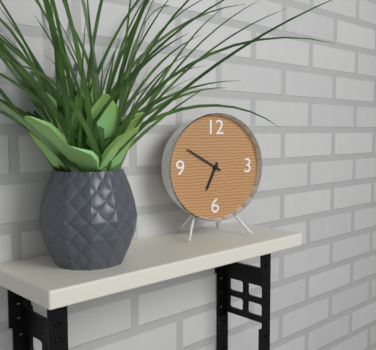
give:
6.50
